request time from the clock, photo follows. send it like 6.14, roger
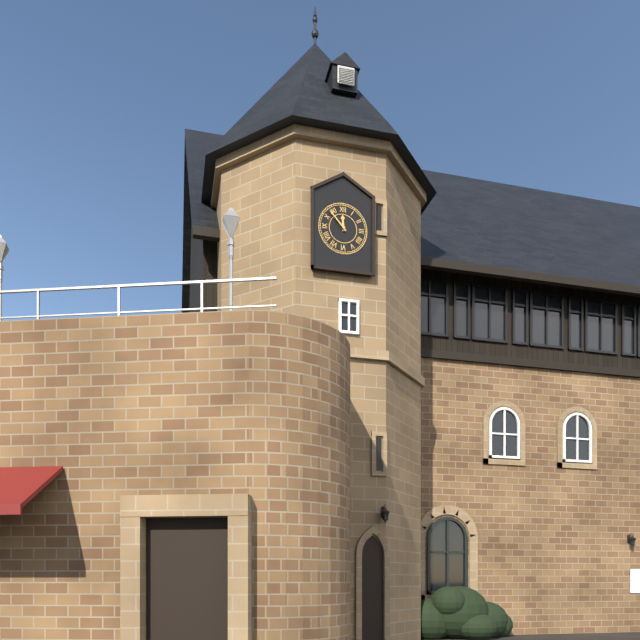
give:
11.53
